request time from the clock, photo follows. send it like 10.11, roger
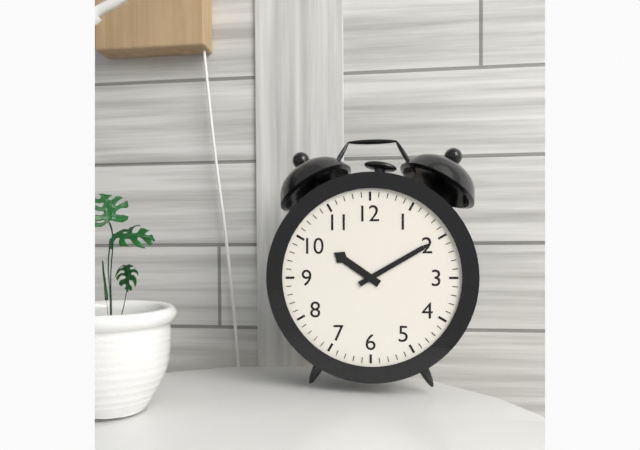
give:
10.10
